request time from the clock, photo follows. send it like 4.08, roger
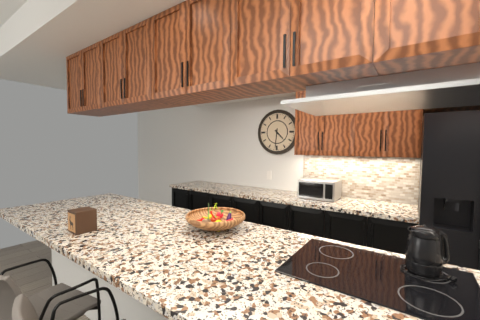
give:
4.31
